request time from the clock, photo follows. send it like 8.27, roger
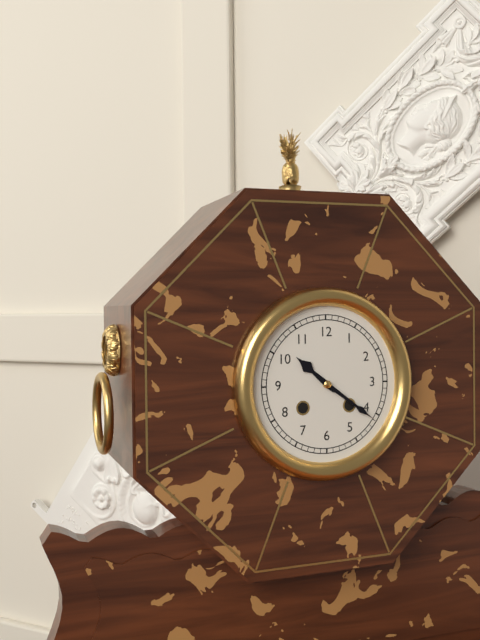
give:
10.21
